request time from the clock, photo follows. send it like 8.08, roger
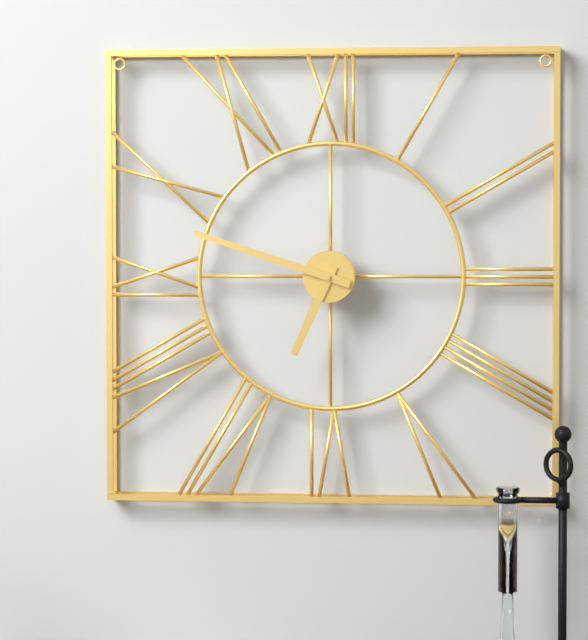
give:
6.48
